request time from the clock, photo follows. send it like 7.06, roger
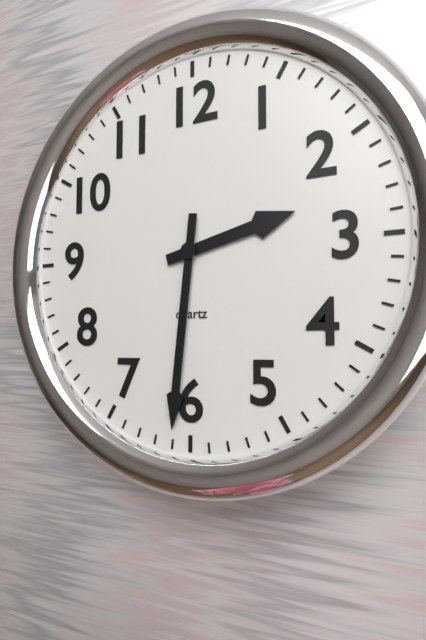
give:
2.31
